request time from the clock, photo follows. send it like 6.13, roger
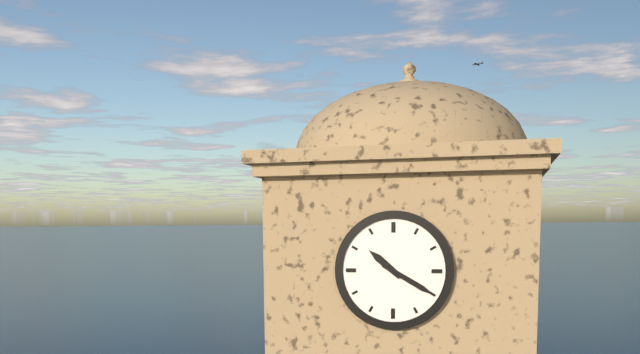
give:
10.20
